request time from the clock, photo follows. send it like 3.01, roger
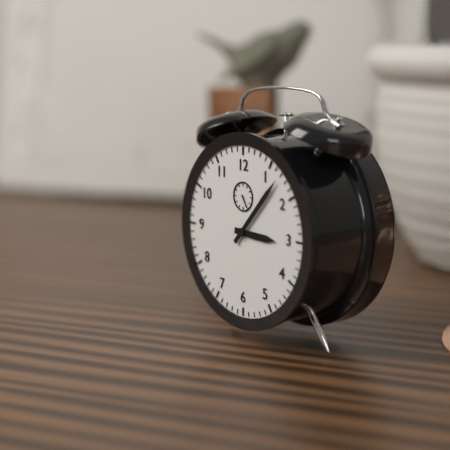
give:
3.07
